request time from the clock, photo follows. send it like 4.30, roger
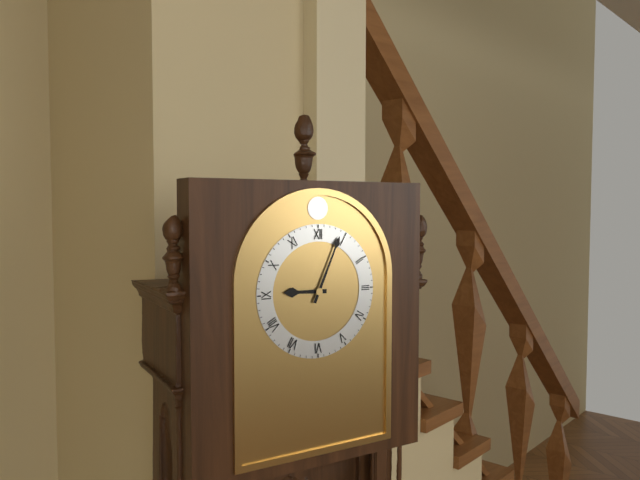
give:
9.04
